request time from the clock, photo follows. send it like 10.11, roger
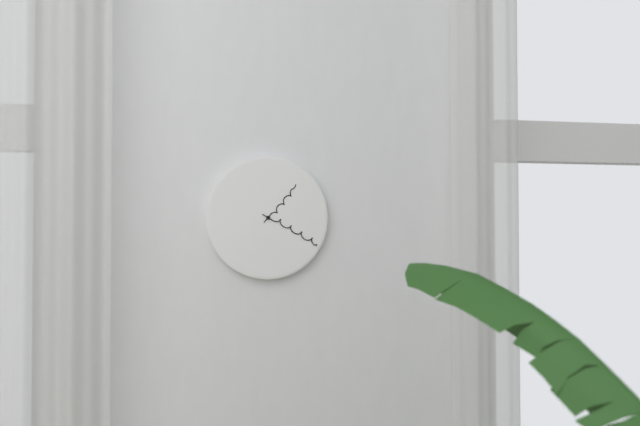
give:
1.20
